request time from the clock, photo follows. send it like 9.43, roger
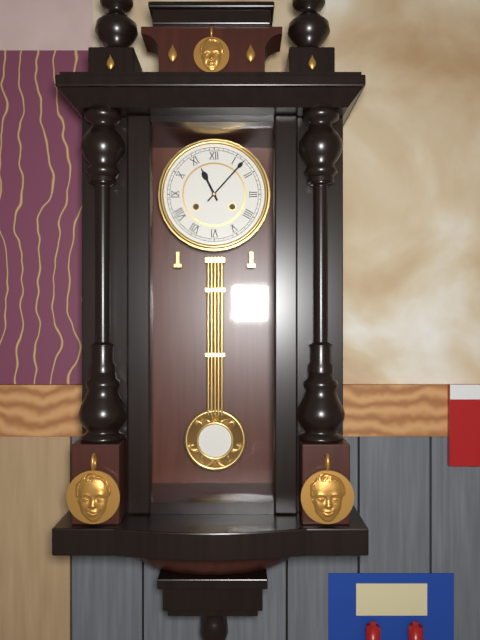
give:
11.07
